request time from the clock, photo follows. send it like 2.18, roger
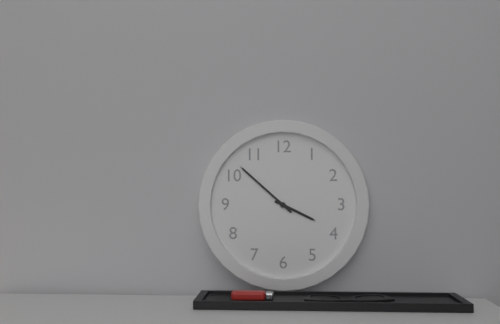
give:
3.52
